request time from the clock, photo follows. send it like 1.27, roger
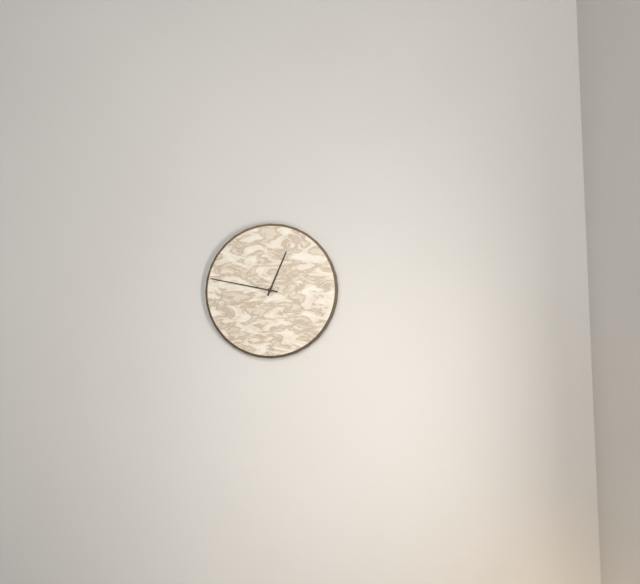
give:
12.47
